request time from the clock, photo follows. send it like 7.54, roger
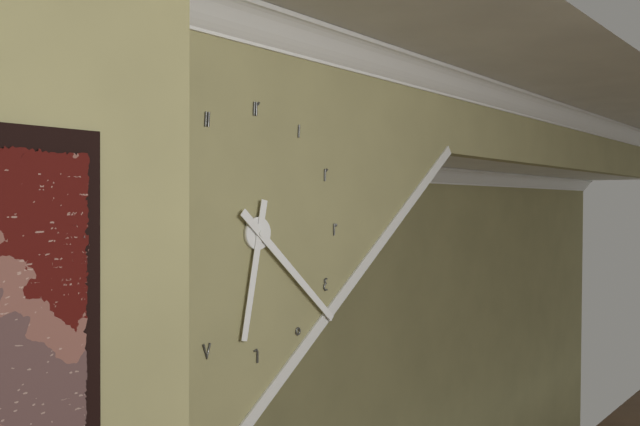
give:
6.22
